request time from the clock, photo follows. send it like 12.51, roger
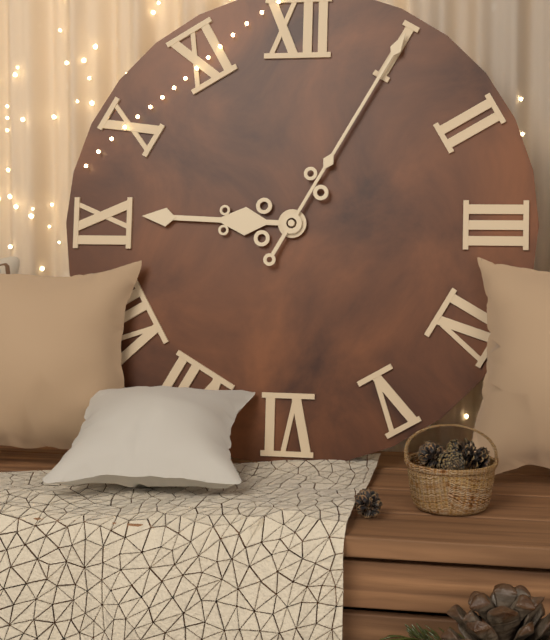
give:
9.05
